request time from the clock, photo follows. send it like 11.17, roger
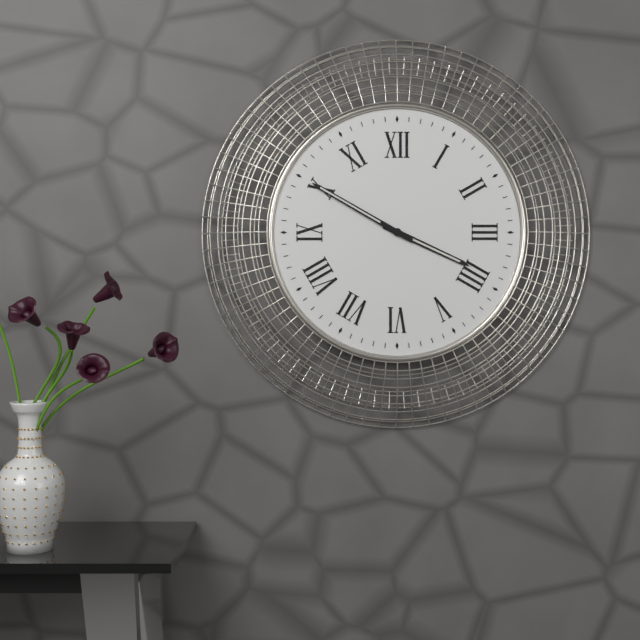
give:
3.50
